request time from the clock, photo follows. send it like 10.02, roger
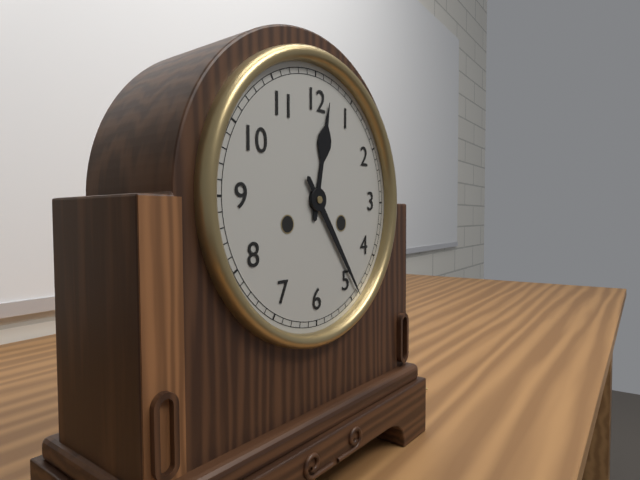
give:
12.24
